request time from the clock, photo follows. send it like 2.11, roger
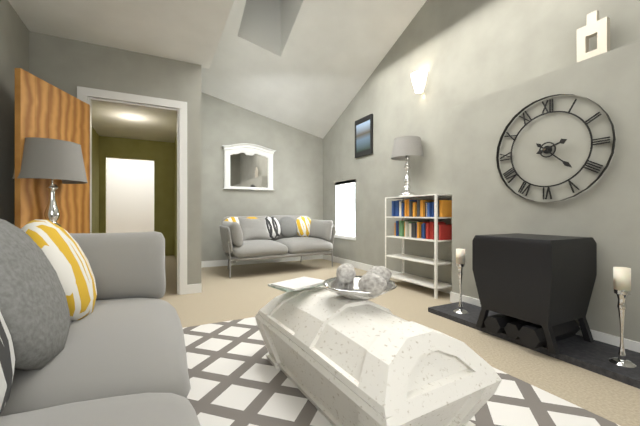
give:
2.22
